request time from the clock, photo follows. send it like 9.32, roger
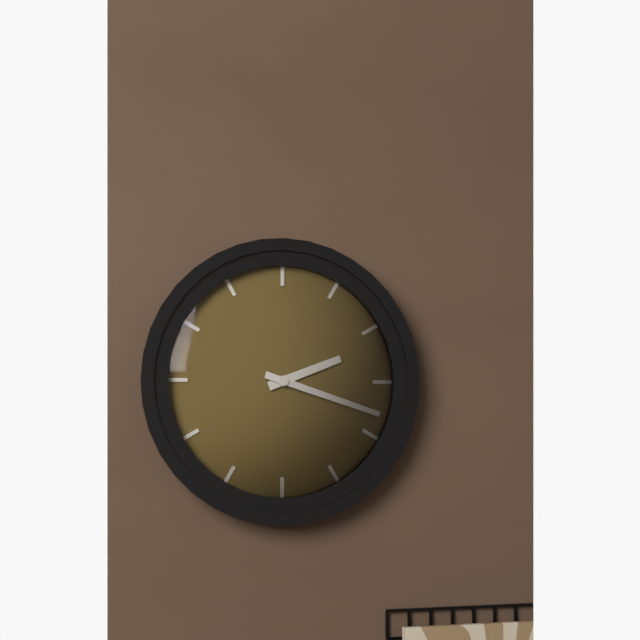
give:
2.18
